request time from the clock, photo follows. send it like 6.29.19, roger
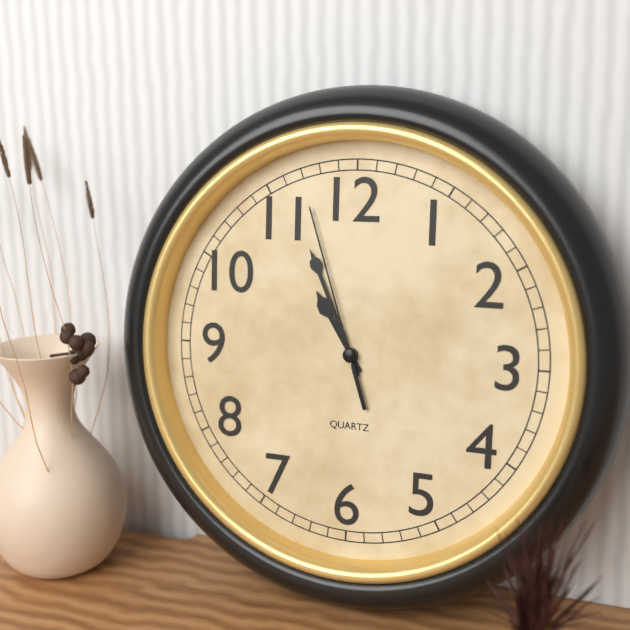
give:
10.56.57
